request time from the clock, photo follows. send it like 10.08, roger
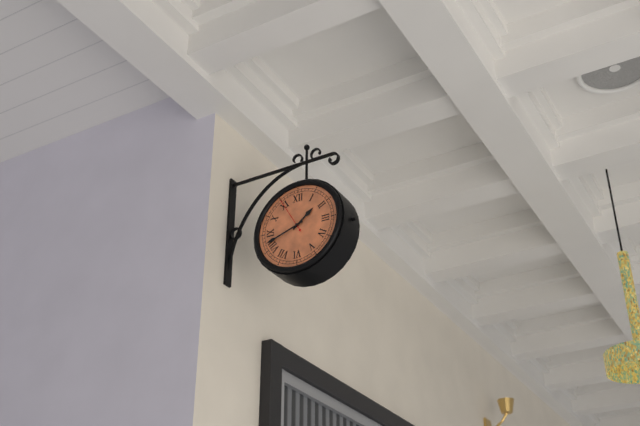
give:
1.42
